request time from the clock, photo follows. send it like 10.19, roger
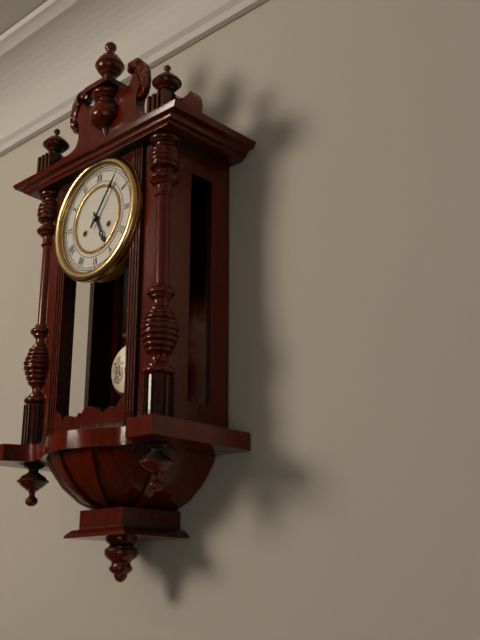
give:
5.06
